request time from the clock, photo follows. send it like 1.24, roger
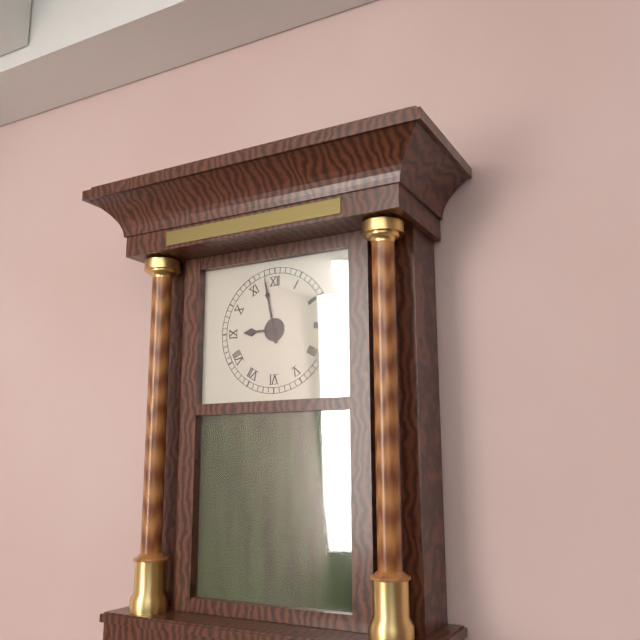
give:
8.58
